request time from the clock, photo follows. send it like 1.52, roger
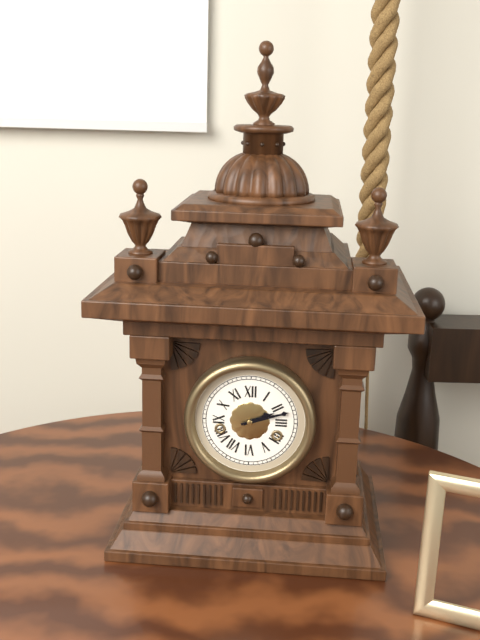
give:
2.12
